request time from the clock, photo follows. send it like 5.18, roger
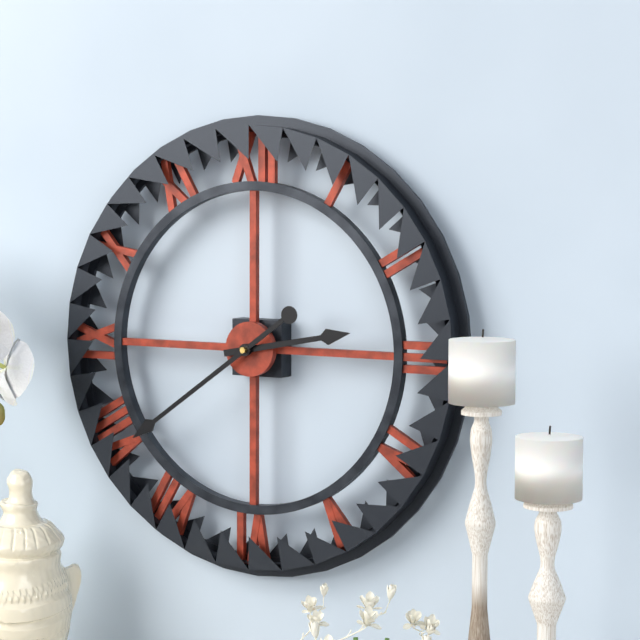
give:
2.39
